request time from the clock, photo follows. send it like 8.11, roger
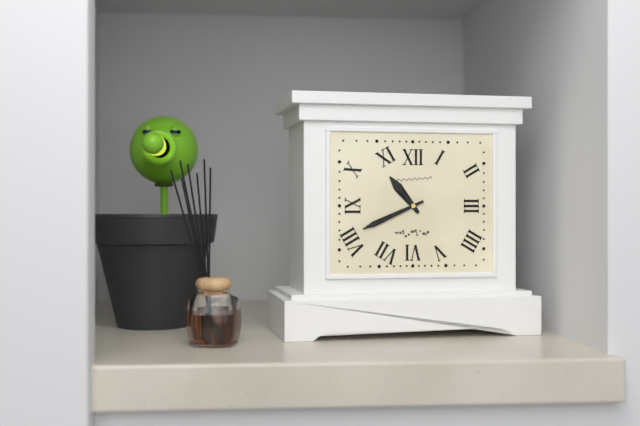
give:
10.41
